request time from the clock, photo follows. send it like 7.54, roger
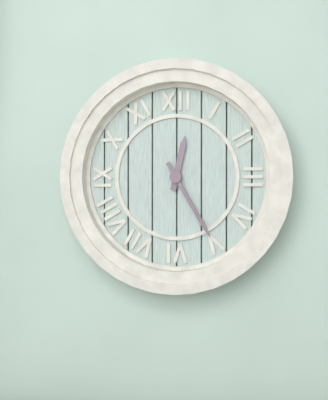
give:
12.25
